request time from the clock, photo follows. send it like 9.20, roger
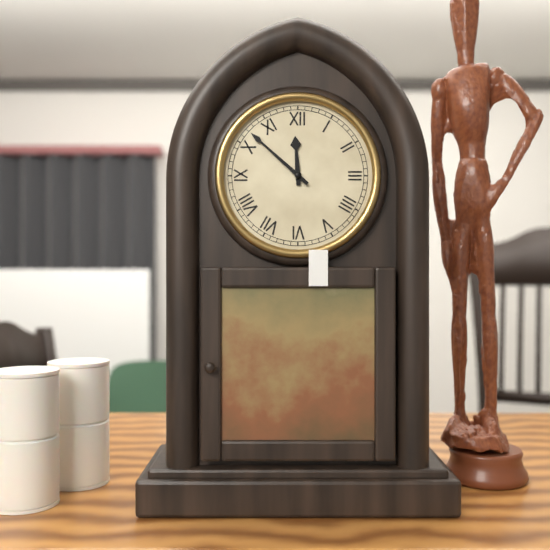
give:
11.52
